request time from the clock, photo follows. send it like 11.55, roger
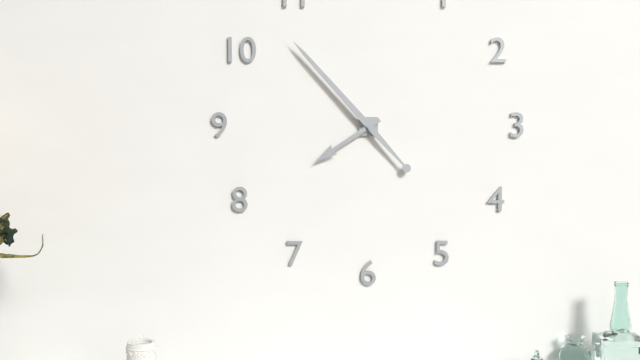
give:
7.53
